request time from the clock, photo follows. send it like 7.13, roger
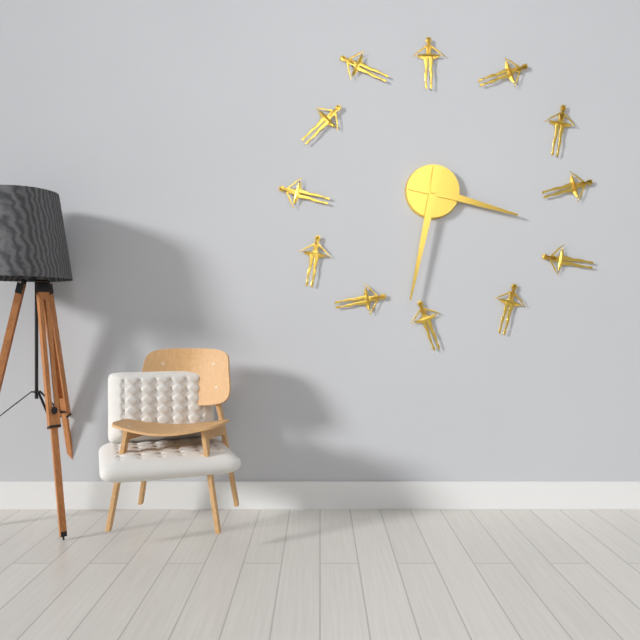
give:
3.32
